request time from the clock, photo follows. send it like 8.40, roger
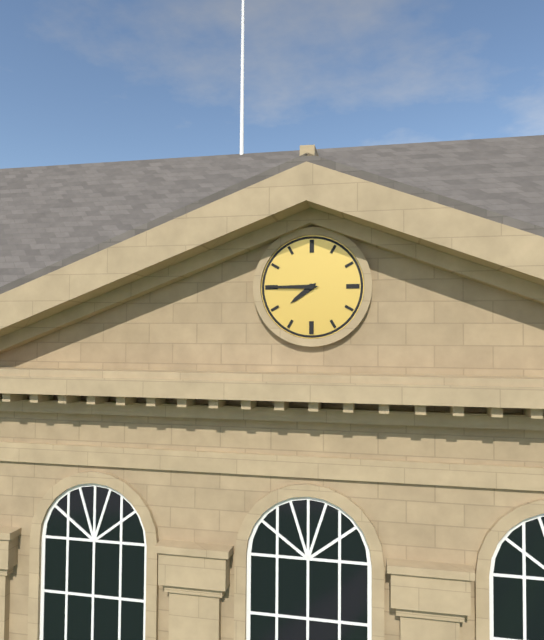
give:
7.45
